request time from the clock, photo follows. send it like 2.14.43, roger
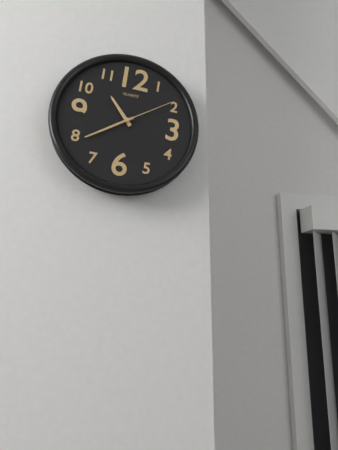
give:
10.39.09
